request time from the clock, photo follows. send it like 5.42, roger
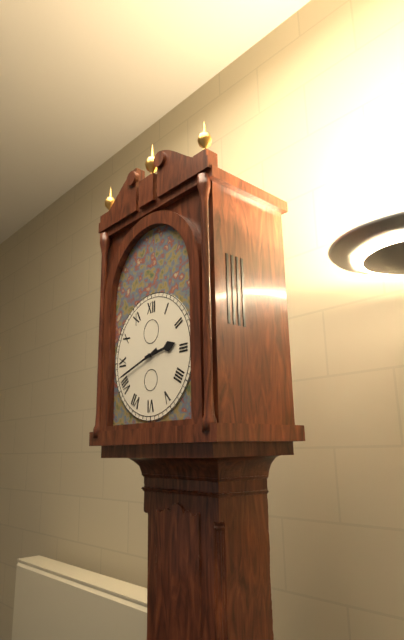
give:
2.42
